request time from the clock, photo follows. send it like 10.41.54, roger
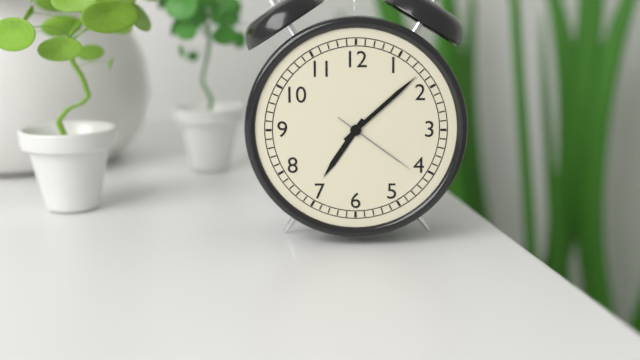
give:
7.08.21
